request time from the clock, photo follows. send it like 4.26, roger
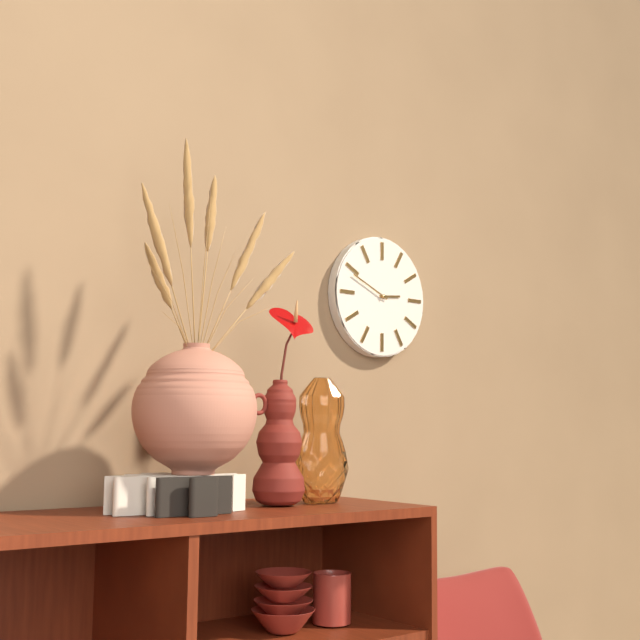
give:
2.49
